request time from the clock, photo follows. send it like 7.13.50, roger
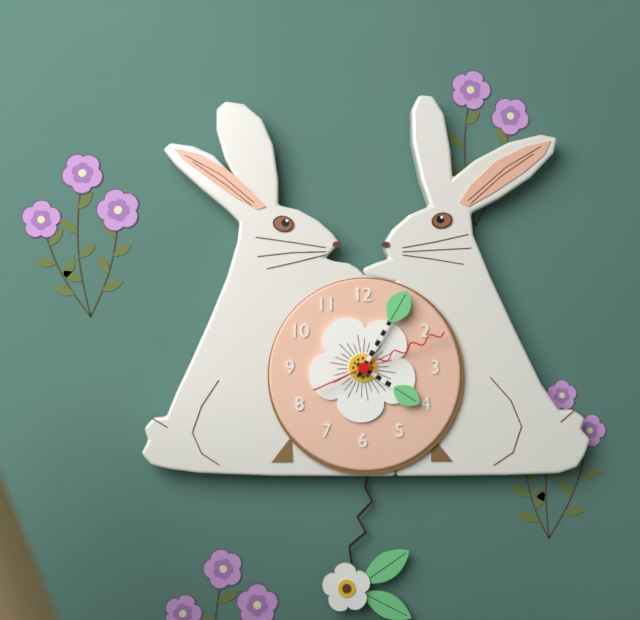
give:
4.05.11
